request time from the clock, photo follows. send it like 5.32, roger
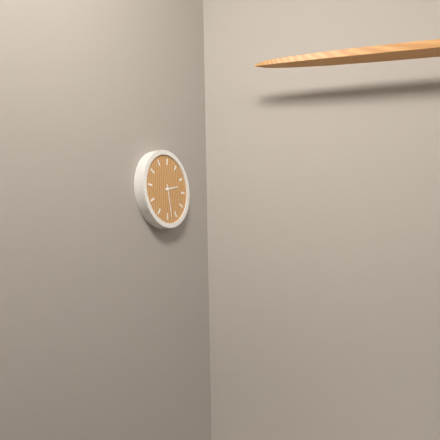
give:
2.28
